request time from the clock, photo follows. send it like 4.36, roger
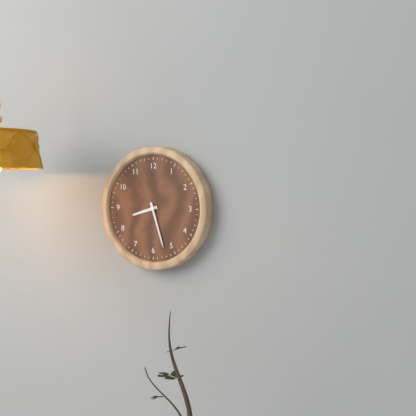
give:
8.27
